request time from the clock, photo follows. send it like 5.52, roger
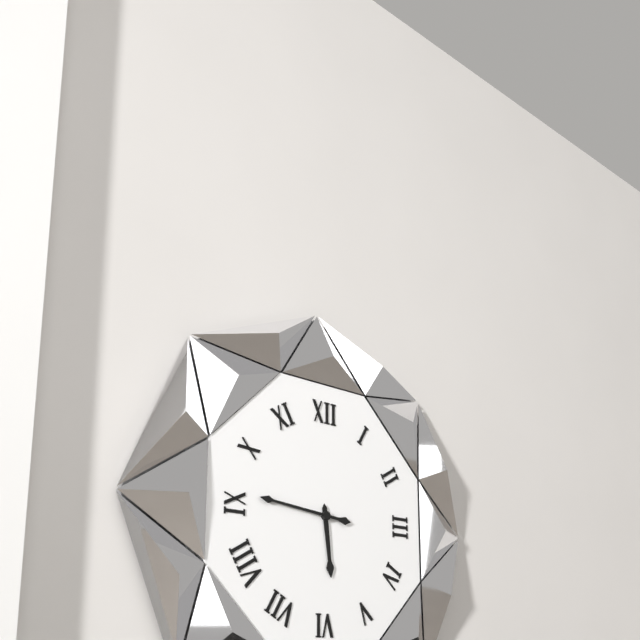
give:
5.46
